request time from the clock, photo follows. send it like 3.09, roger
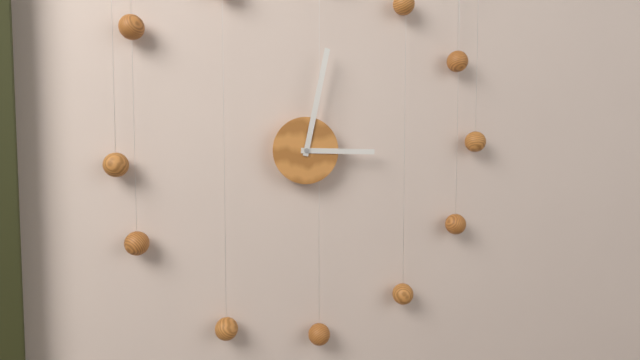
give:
3.02
